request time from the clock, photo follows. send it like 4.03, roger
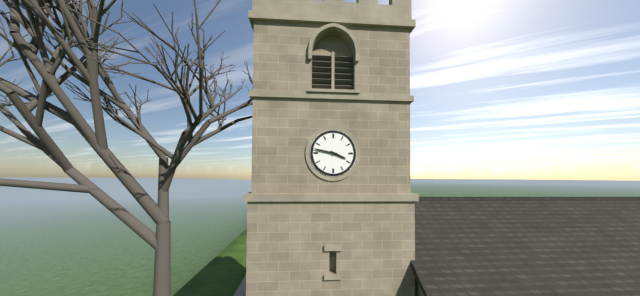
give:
3.47
